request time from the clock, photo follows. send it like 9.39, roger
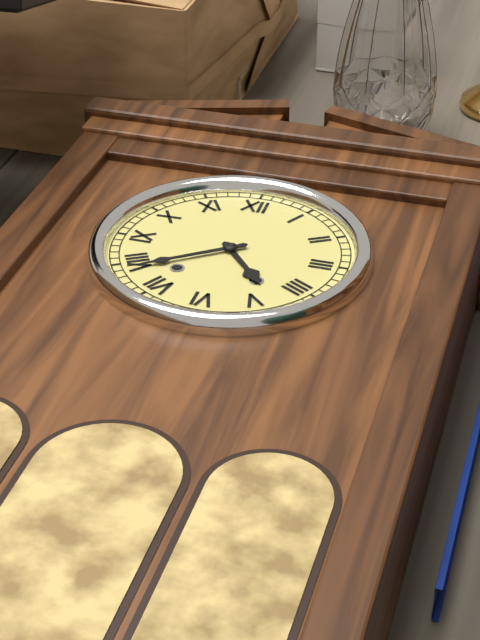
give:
4.39
